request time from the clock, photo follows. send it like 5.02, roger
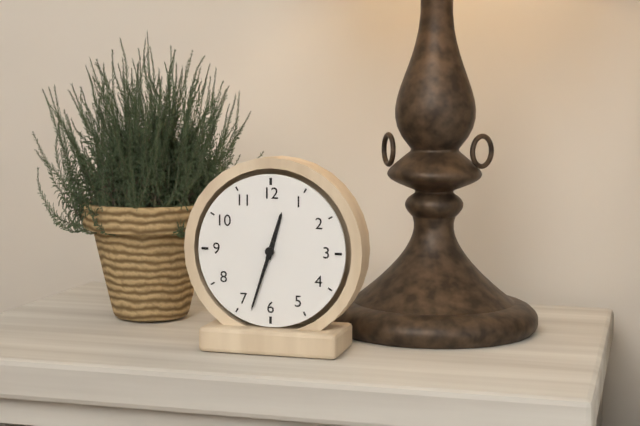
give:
12.33
